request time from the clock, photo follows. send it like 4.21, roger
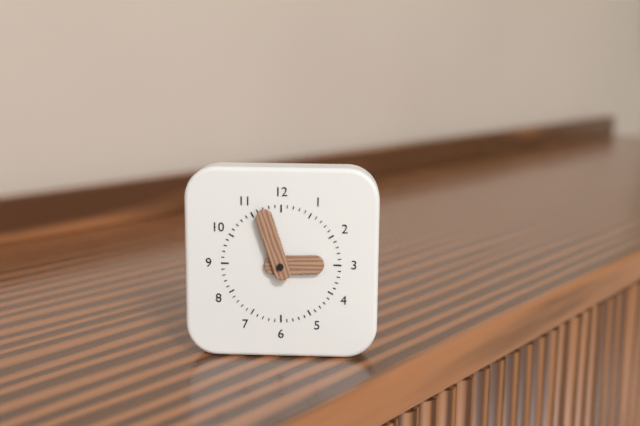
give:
2.57
